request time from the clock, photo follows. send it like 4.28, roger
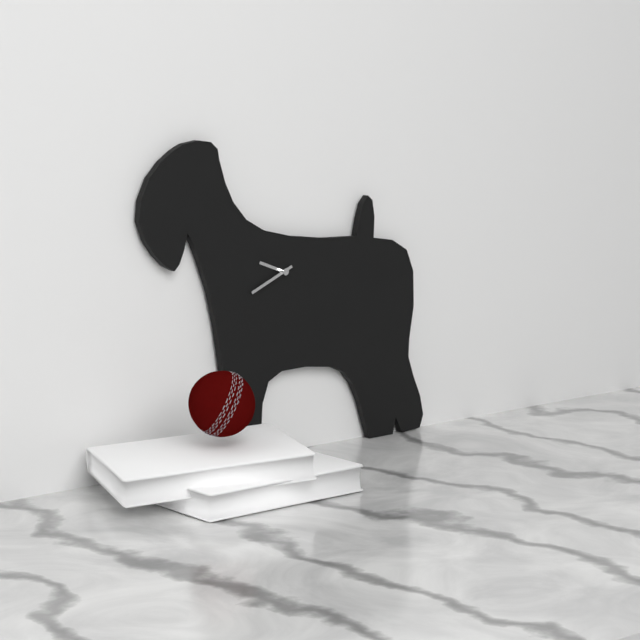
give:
9.41
